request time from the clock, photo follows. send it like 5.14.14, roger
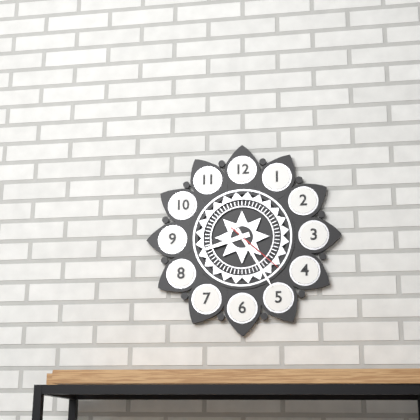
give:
8.25.22
